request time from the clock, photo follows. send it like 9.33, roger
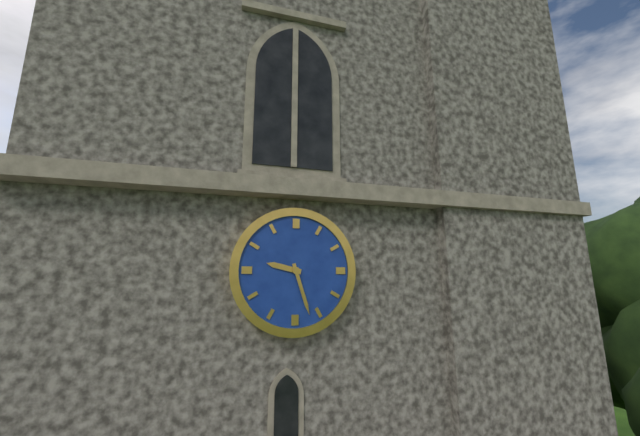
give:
9.27
